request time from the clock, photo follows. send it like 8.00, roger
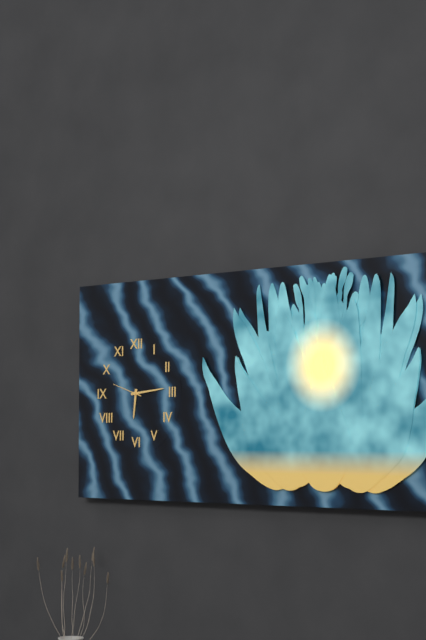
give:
6.14
